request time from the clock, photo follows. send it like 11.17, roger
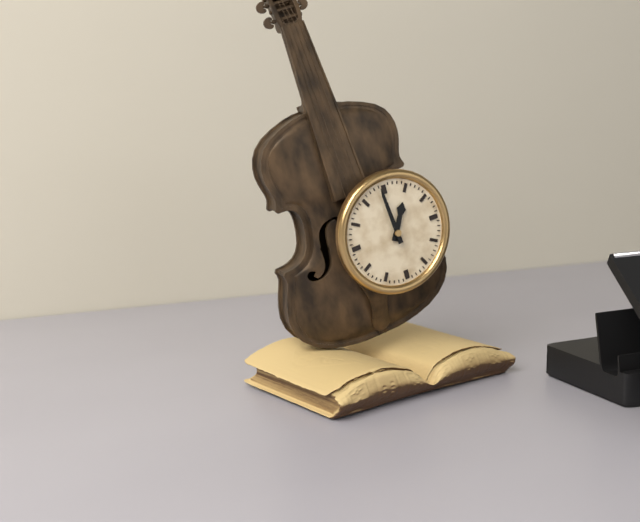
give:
12.59
